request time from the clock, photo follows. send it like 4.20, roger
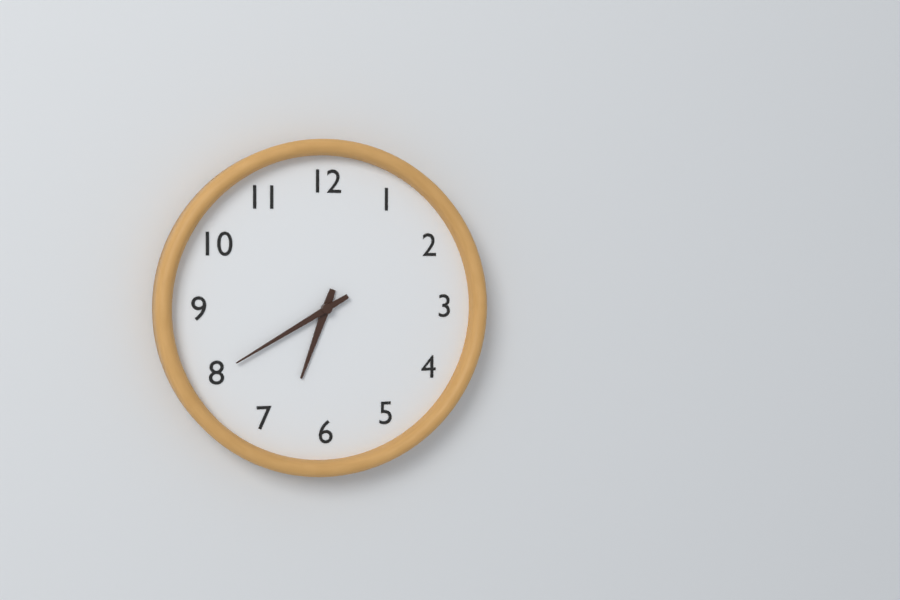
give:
6.40
